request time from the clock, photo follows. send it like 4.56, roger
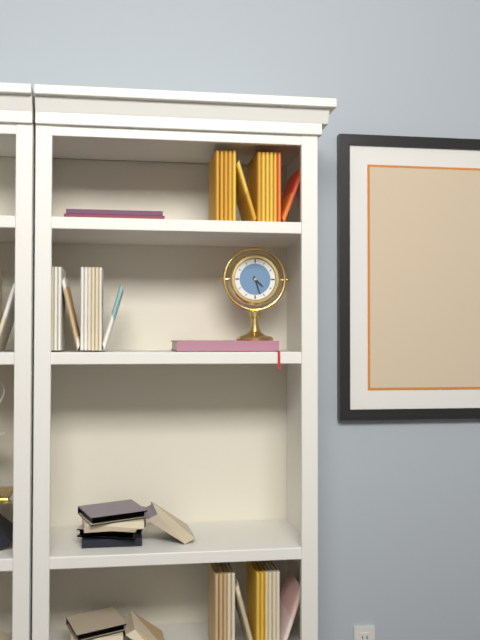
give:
4.27
